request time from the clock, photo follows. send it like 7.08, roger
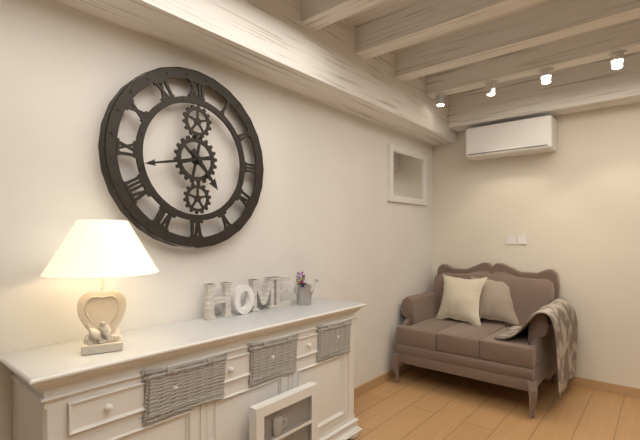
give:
4.43
